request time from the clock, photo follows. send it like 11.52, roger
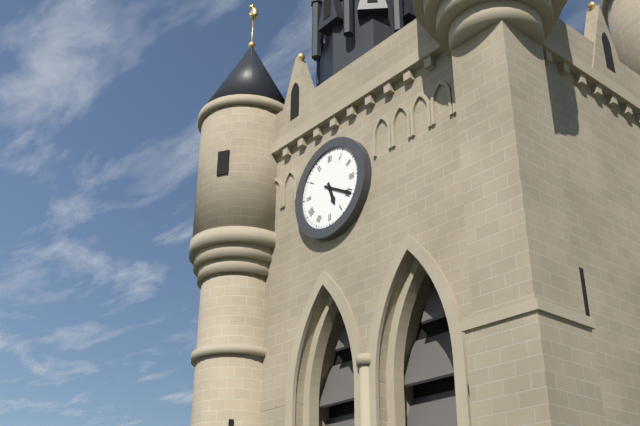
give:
5.20
